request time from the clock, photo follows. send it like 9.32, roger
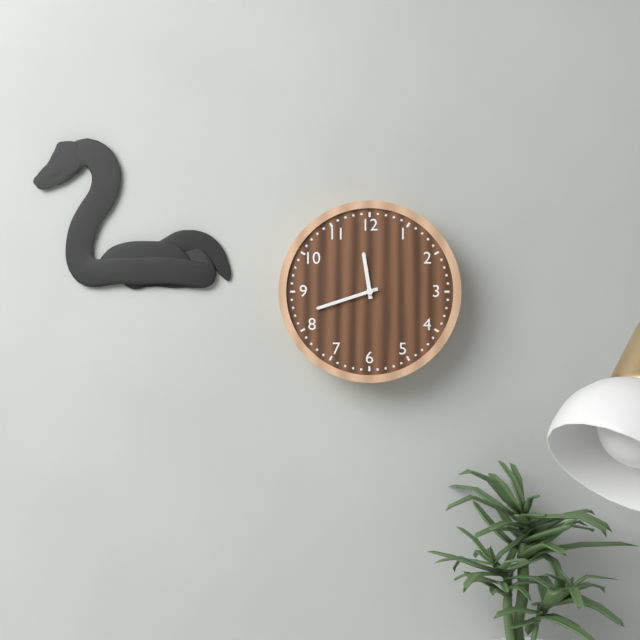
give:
11.42
